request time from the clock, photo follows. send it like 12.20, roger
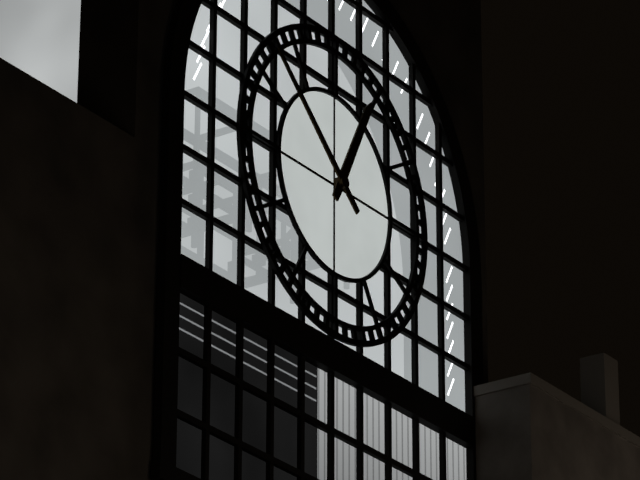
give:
12.52
